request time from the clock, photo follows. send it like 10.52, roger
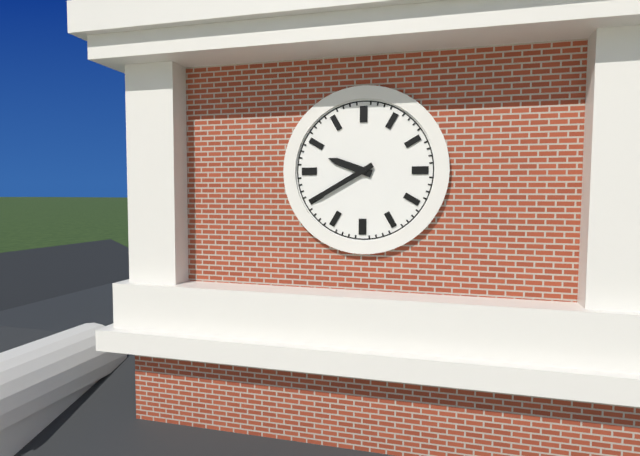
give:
9.40
